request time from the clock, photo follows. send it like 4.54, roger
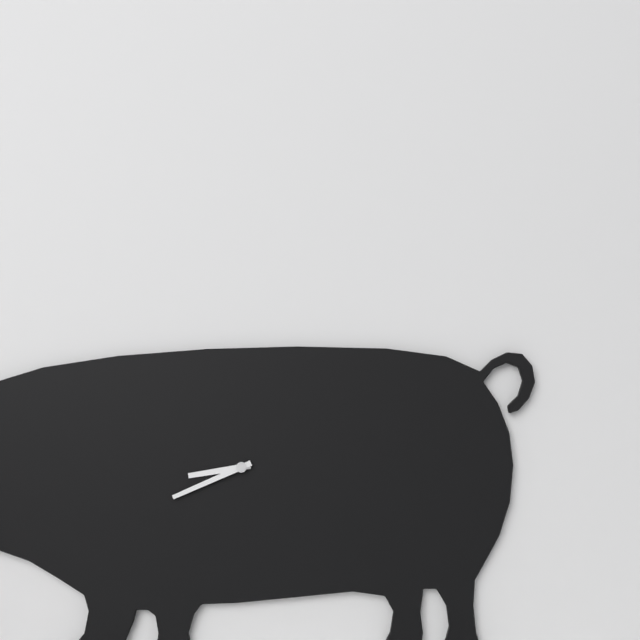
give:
8.41
